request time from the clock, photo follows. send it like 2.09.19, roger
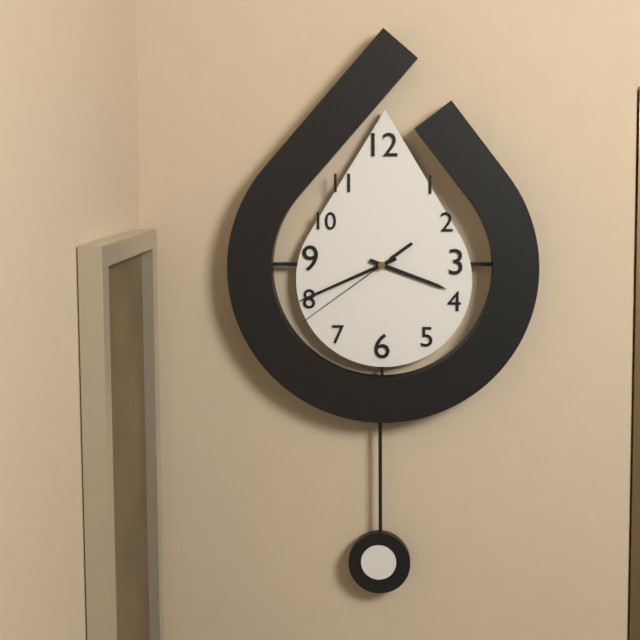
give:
3.41.39
